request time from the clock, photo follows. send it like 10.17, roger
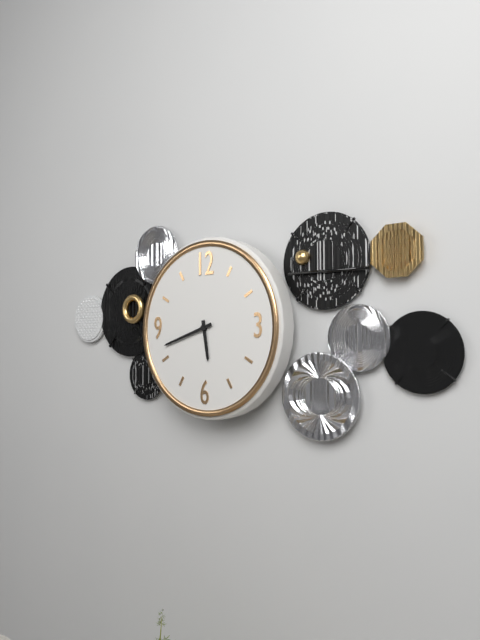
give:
5.42
